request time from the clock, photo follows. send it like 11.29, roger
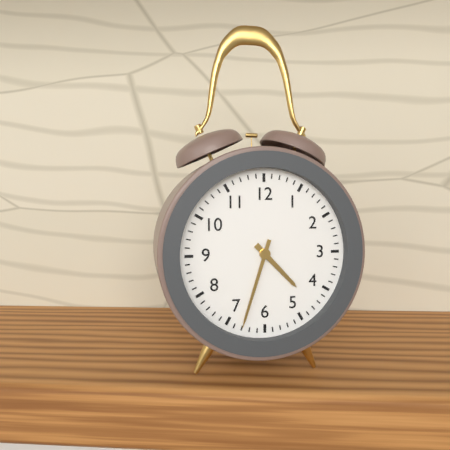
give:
4.33
